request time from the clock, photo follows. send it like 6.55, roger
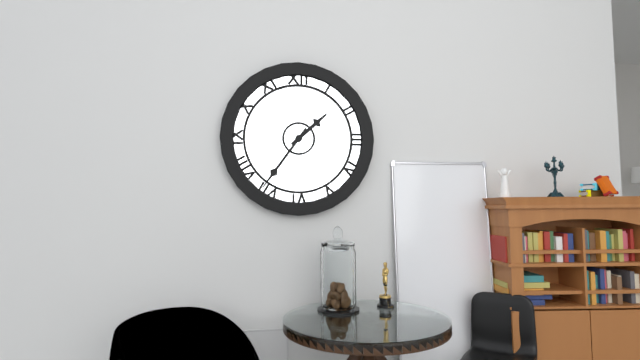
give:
1.36
